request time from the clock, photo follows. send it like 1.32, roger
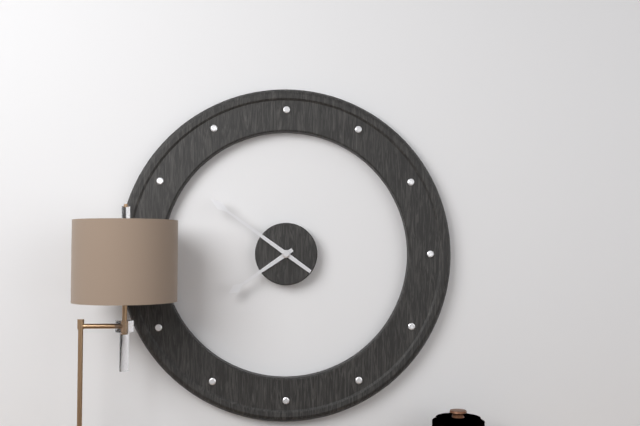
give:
7.51
